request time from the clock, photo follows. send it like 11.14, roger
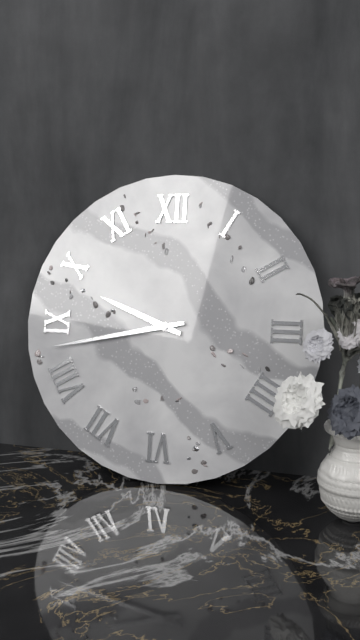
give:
9.43
